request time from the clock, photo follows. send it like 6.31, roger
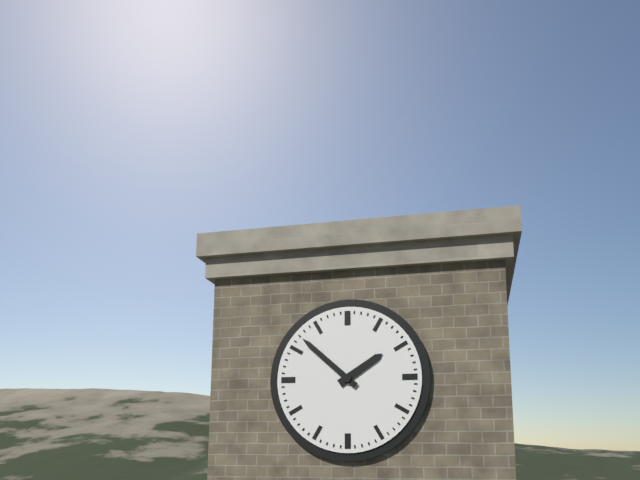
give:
1.52
